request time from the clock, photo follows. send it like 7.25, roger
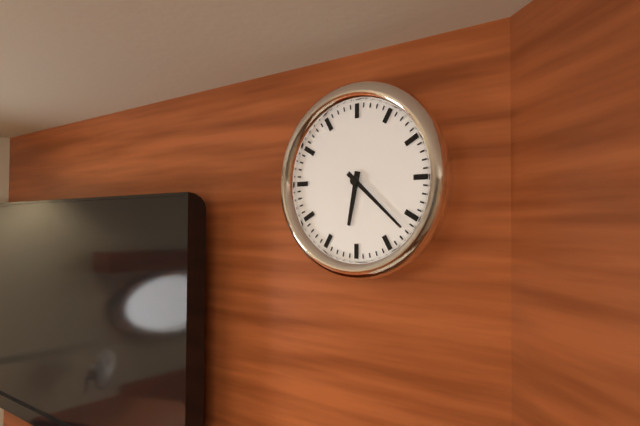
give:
6.22
